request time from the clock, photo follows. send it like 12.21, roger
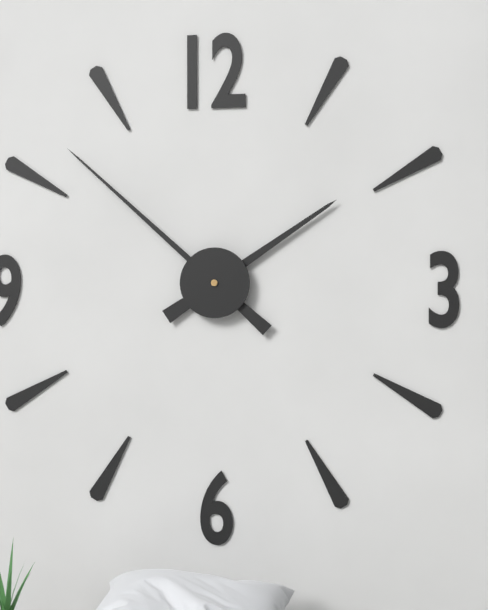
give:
1.52
